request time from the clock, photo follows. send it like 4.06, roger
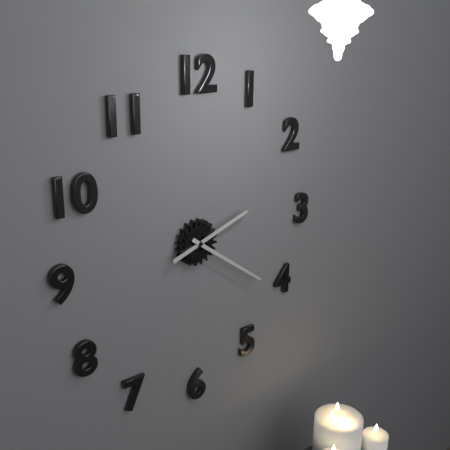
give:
2.21
